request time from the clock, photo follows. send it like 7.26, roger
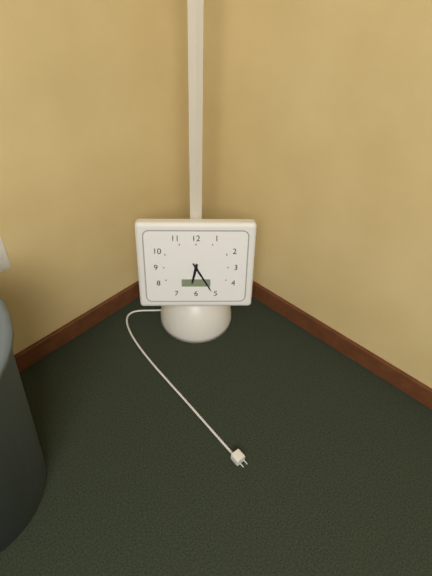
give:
6.25
